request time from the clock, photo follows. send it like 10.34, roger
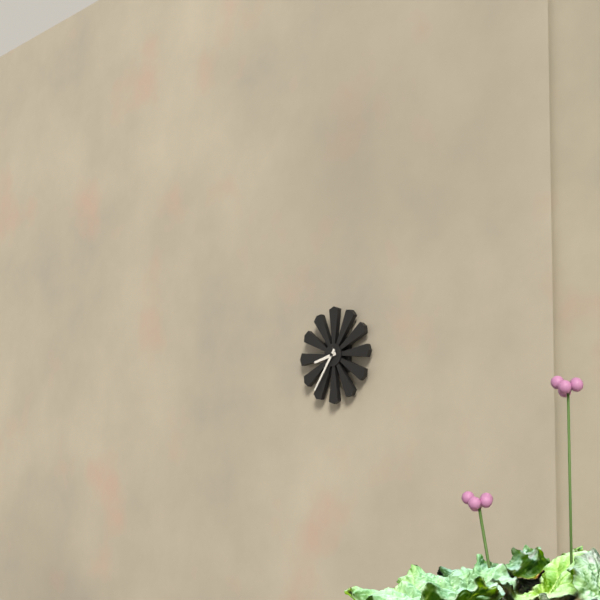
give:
8.36
